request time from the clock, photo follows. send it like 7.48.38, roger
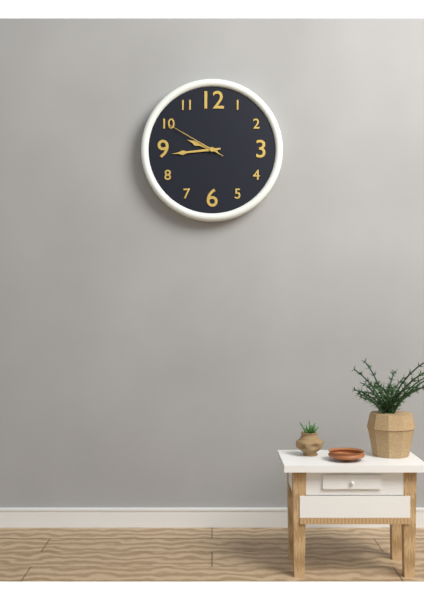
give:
9.44.50
